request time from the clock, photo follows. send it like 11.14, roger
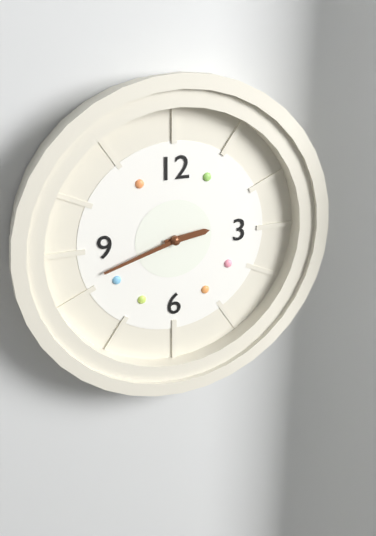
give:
2.42
